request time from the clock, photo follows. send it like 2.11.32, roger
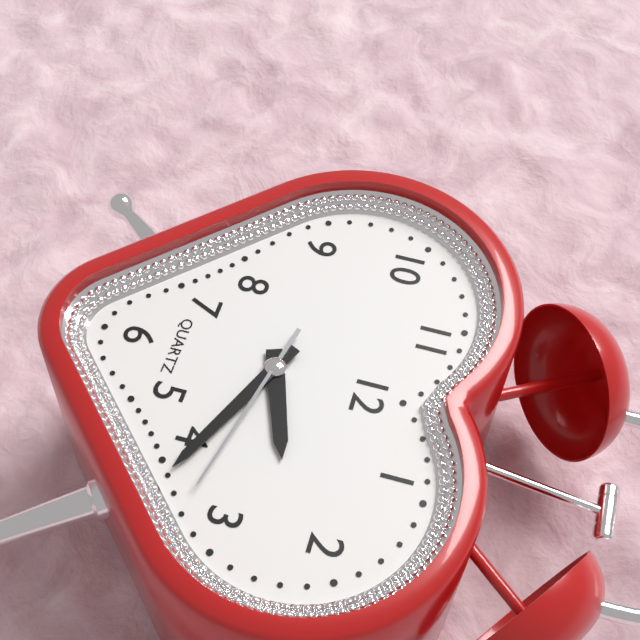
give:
2.19.17
